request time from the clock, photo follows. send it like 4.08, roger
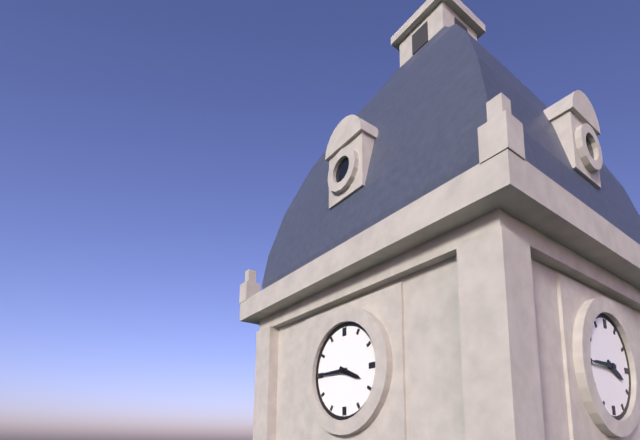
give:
3.45
